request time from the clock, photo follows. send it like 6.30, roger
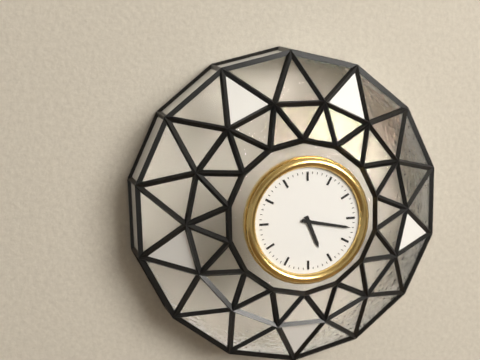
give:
5.17
